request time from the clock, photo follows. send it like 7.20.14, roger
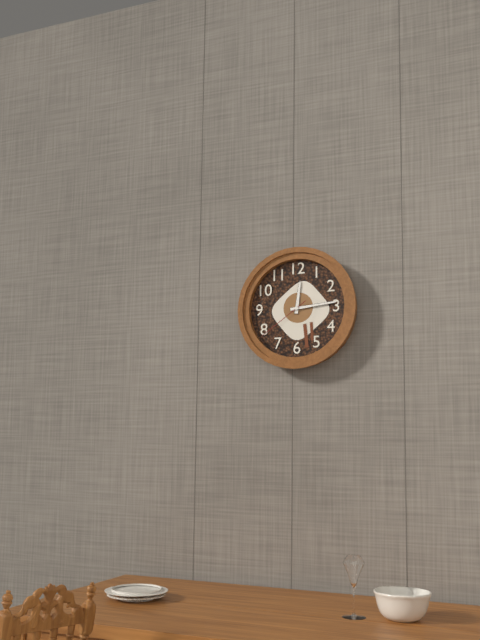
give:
12.14.39
